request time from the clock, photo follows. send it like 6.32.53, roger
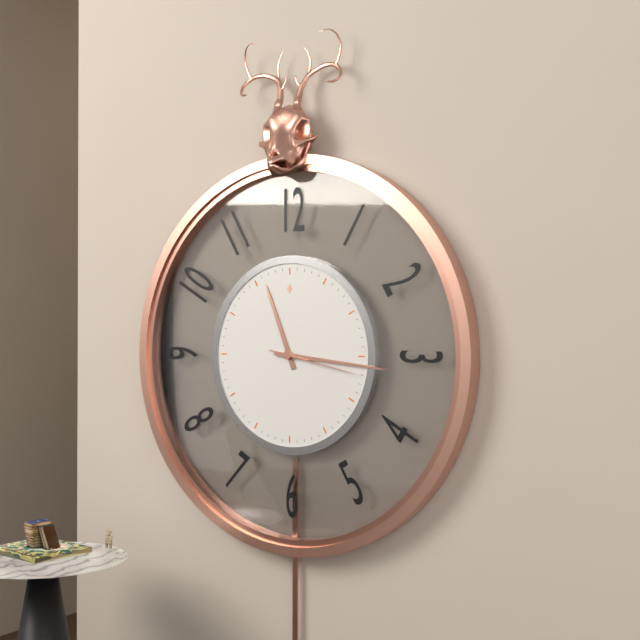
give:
11.16.17
